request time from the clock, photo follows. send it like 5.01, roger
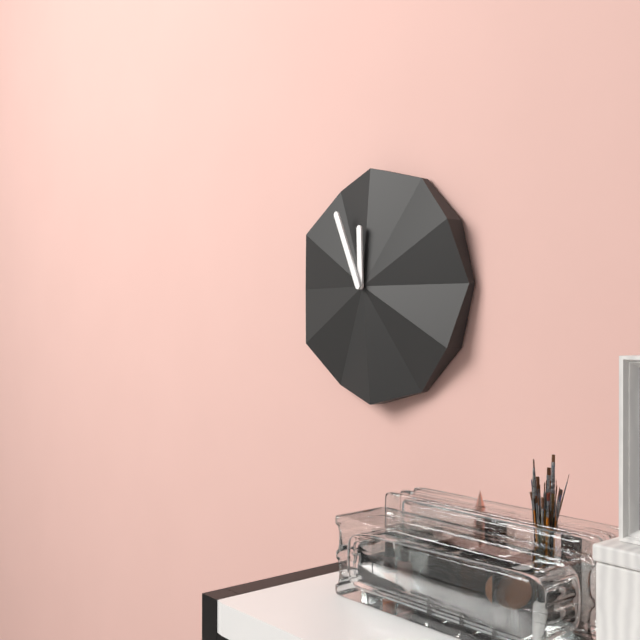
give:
11.56
